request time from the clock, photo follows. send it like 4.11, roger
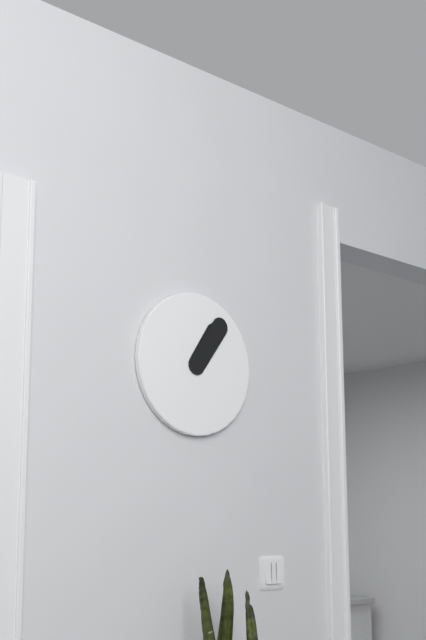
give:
1.06
